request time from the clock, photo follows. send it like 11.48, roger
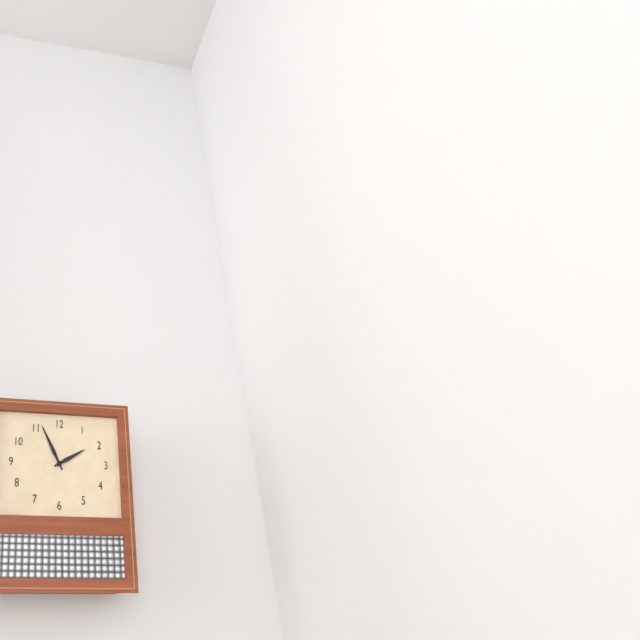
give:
1.56
